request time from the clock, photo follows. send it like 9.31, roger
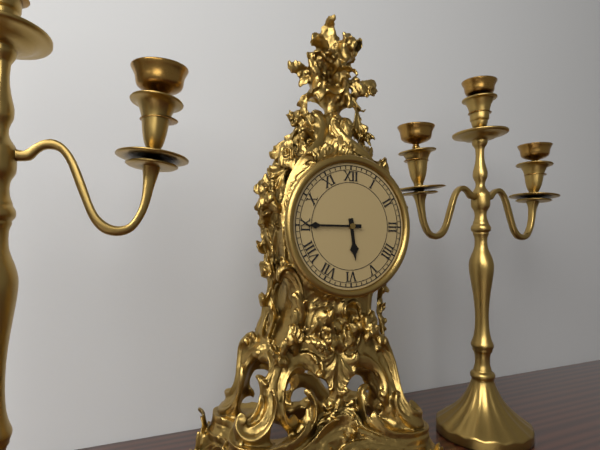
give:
5.45
